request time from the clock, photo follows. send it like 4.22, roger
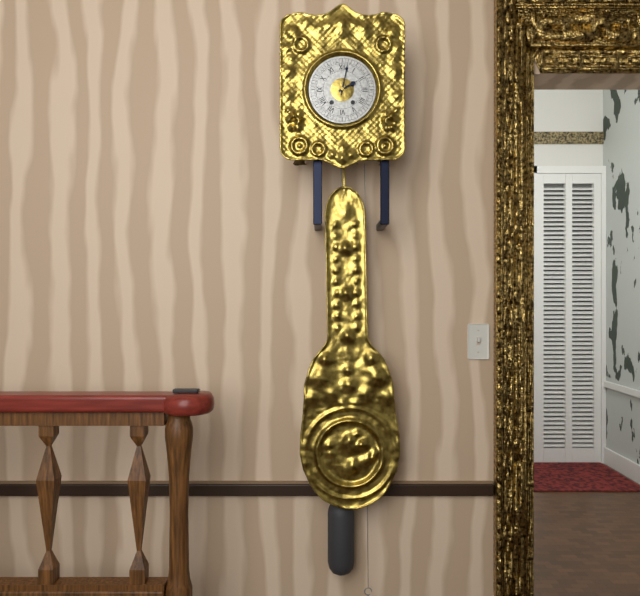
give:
2.02
